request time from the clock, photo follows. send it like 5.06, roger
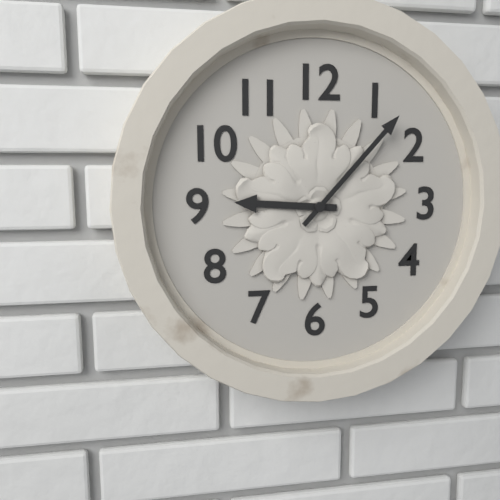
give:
9.07
